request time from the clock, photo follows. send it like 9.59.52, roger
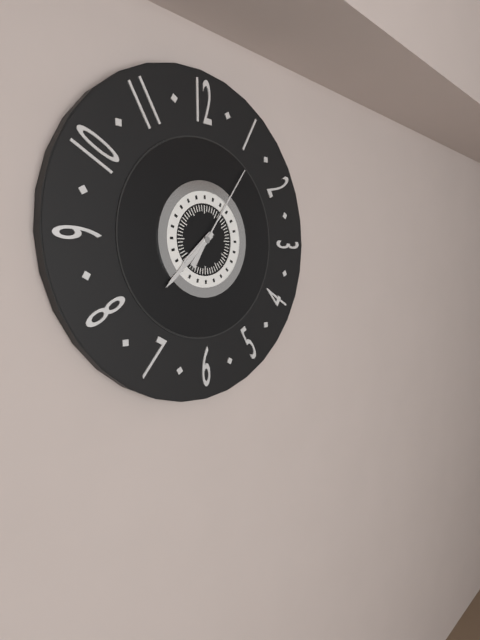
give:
7.38.06
